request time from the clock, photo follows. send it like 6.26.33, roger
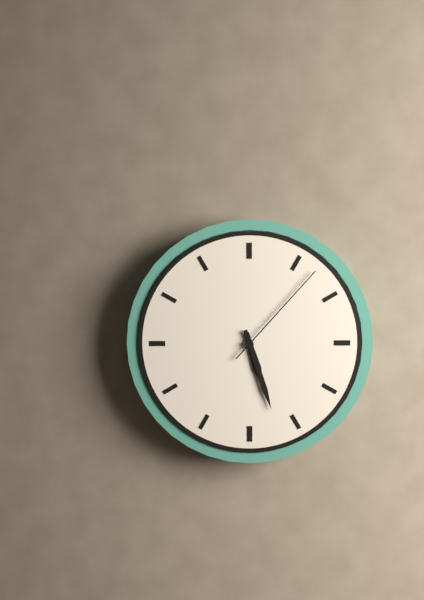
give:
5.27.07
